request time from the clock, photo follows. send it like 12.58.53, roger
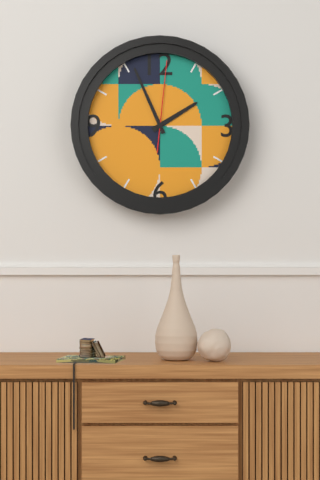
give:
1.56.01
